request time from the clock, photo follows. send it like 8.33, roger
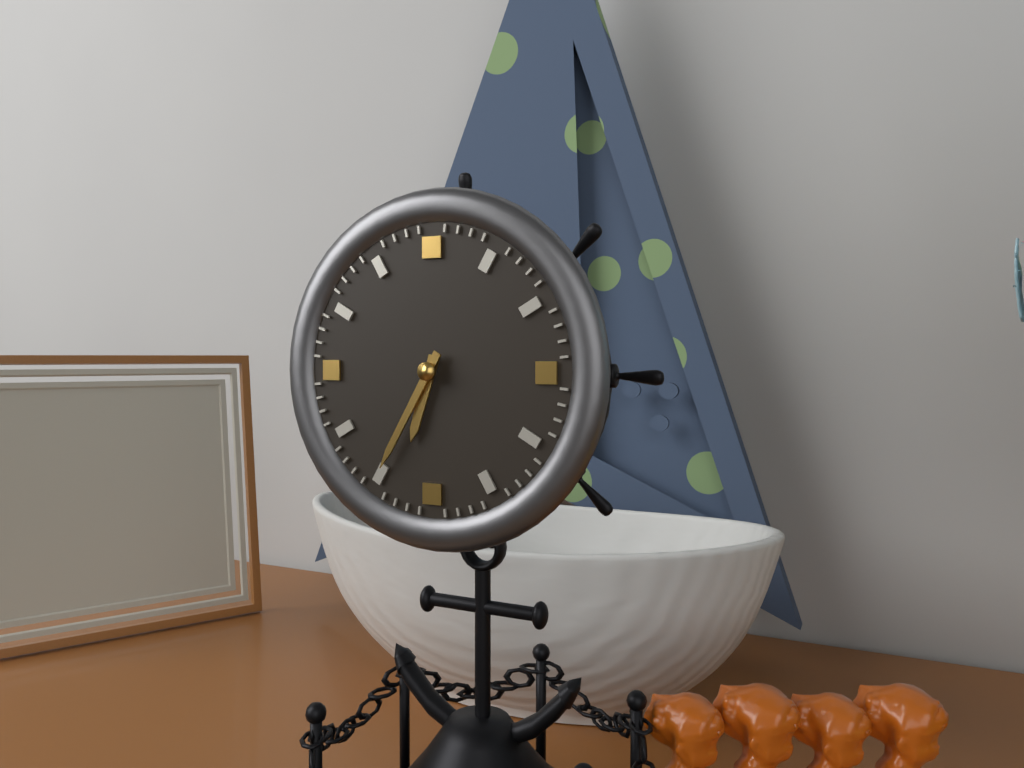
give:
6.35
